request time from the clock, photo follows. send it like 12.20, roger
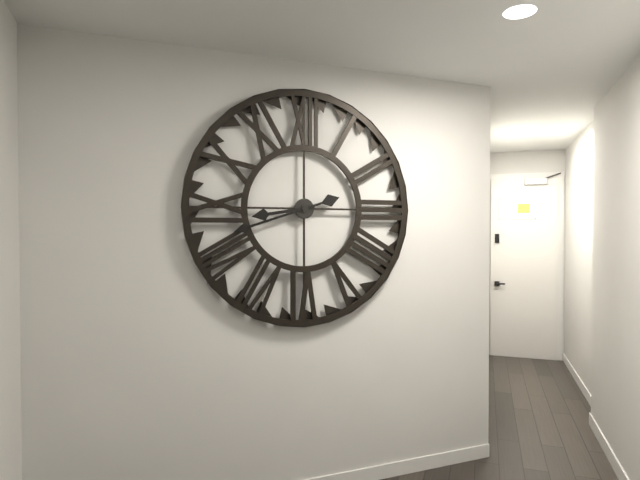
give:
8.42
